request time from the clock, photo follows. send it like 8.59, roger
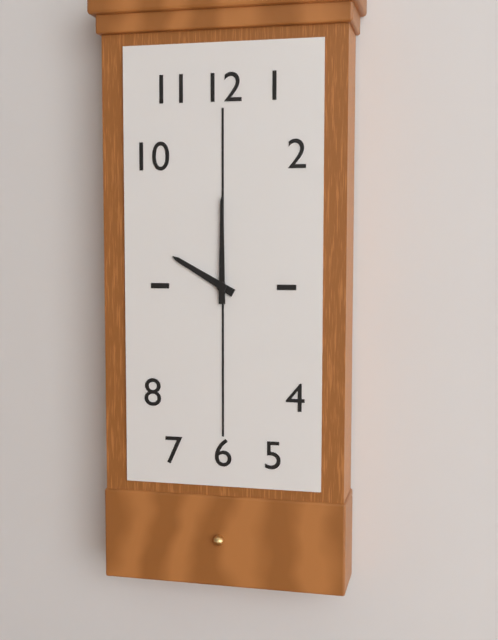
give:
10.00
